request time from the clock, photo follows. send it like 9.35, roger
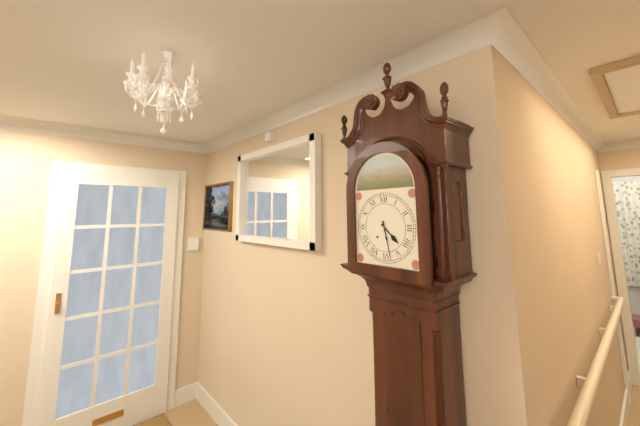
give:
4.28
